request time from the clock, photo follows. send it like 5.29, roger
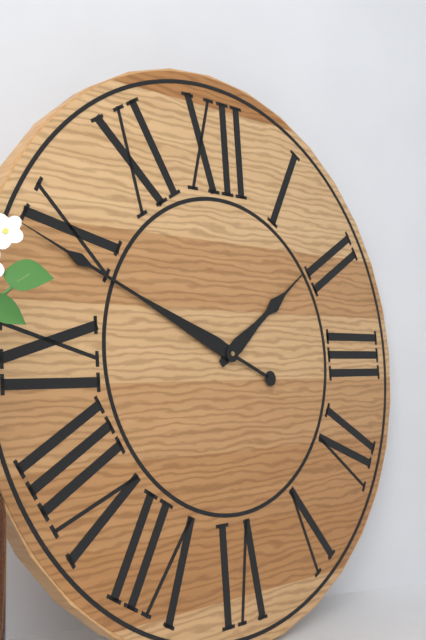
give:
1.49
